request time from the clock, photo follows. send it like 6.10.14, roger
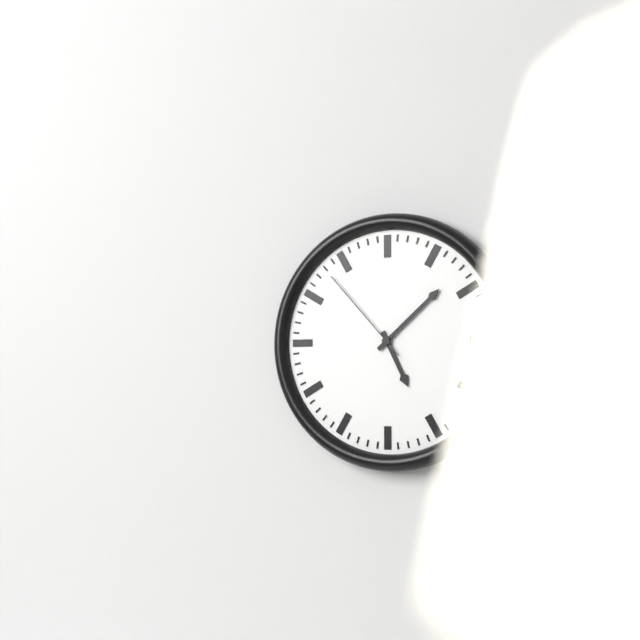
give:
5.08.53
